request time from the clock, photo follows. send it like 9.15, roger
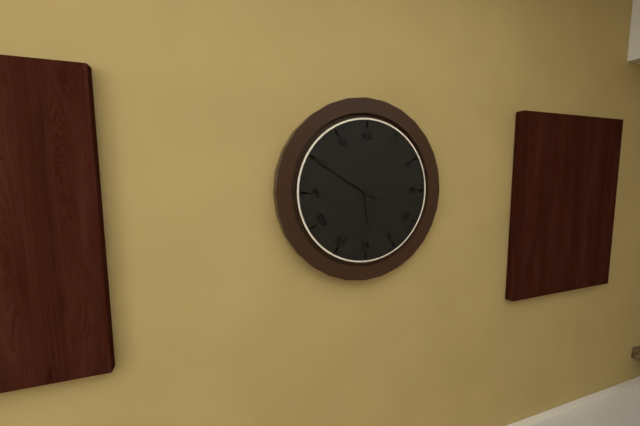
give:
5.50
